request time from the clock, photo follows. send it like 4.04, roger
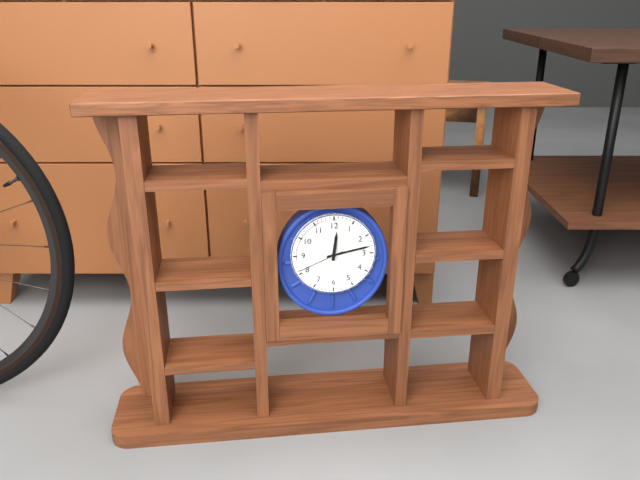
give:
12.13
